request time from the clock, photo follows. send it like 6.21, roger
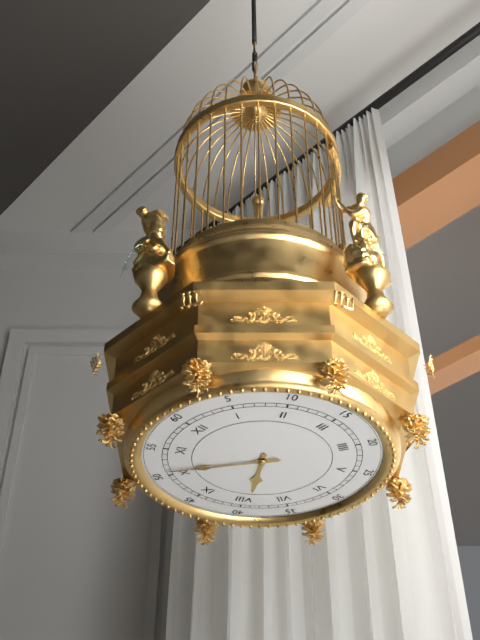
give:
7.51
